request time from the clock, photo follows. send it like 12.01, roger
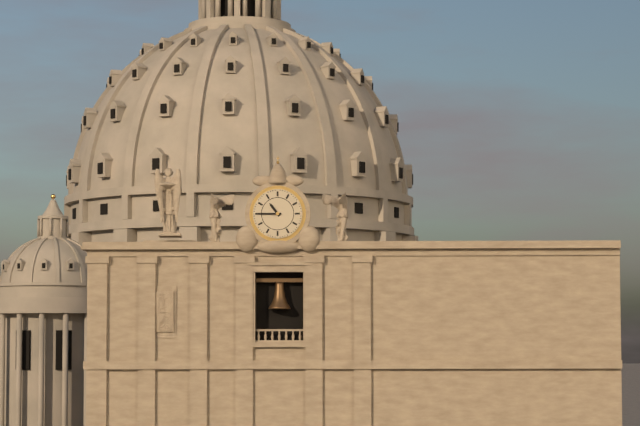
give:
10.45
